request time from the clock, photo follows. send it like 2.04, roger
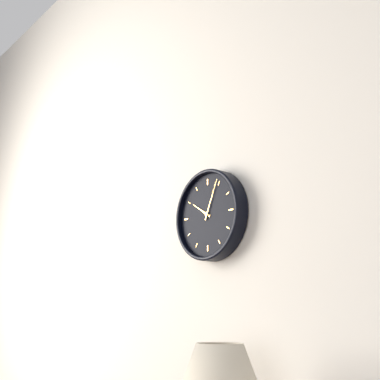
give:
10.04
